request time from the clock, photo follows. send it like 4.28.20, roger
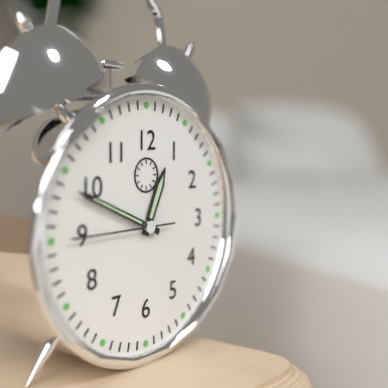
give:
12.49.45
